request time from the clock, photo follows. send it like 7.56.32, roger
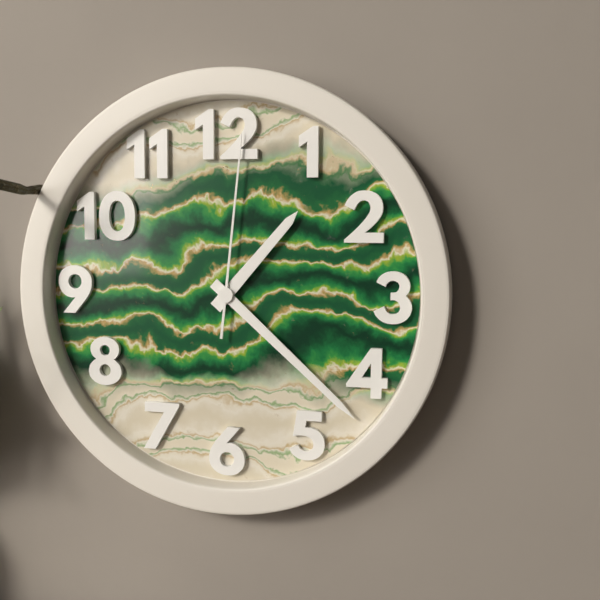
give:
1.22.01
